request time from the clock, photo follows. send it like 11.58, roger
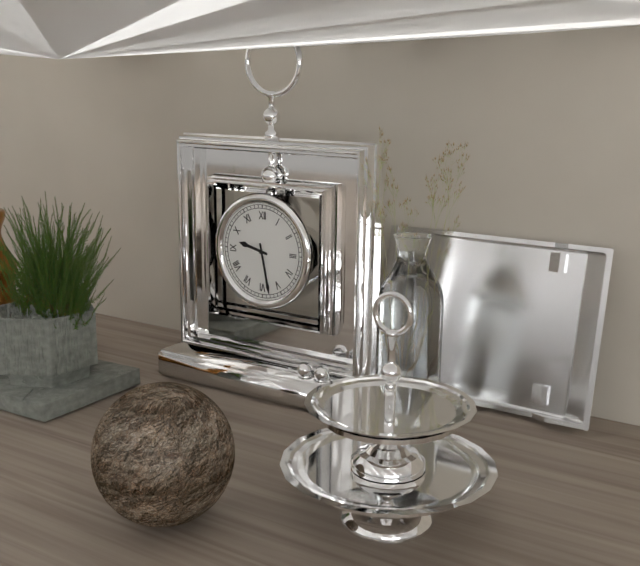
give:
9.28
